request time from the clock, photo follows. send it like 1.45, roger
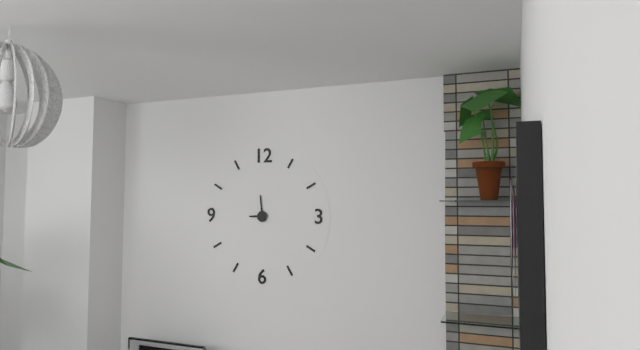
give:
8.59
